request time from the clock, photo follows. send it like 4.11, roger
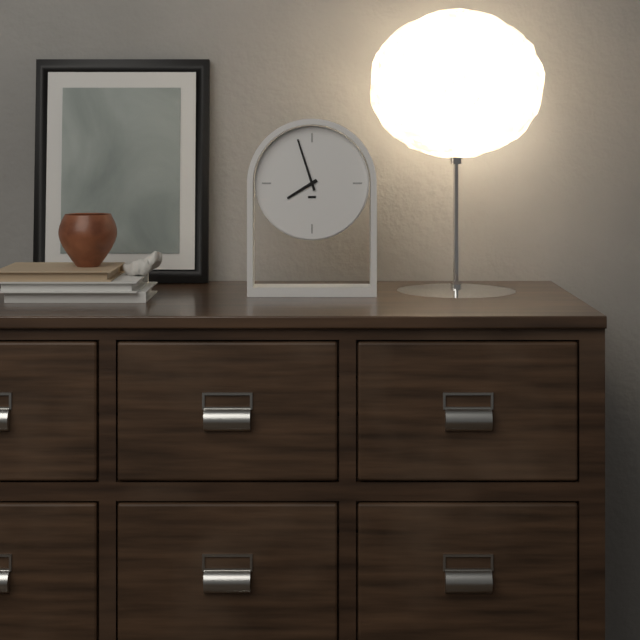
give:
7.57
